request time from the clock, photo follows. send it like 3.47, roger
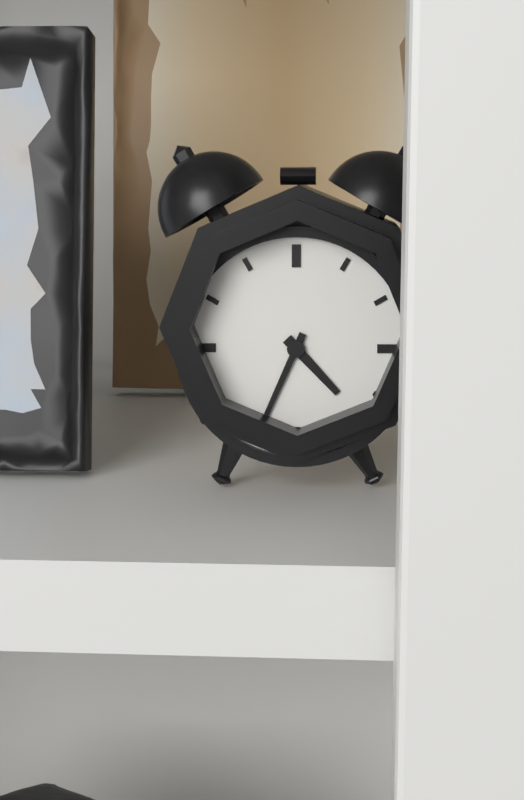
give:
4.34
